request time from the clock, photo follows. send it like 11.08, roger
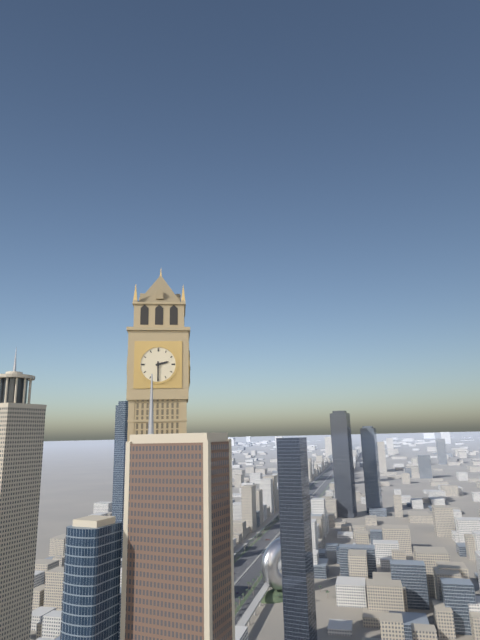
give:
2.30
